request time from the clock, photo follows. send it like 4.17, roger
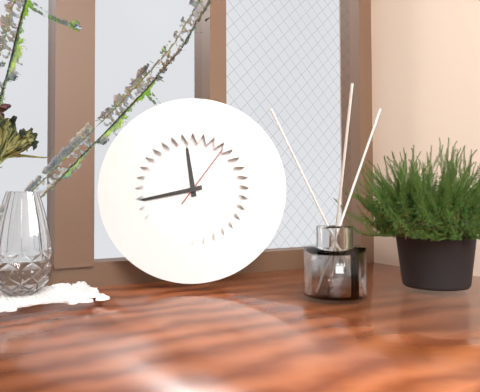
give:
11.43
